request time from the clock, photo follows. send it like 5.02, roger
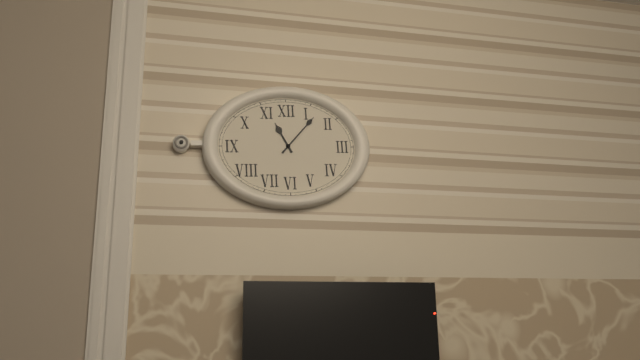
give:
11.07
